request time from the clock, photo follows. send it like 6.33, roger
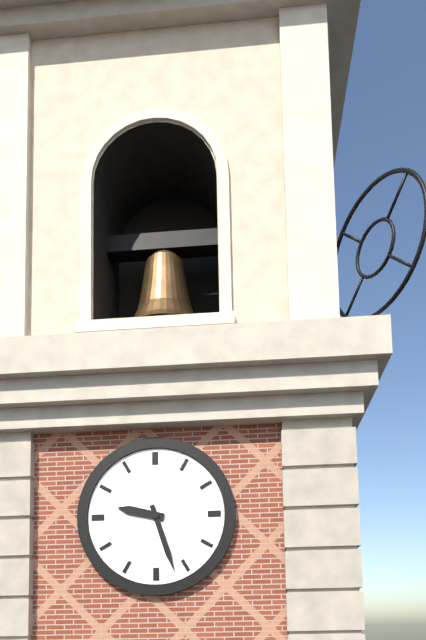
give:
9.27
